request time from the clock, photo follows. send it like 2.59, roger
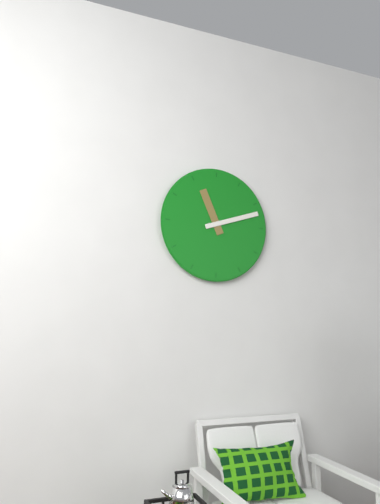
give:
11.12
